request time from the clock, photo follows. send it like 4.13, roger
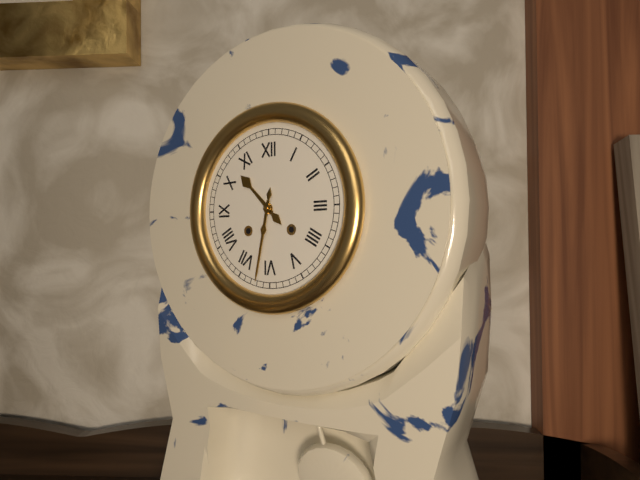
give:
10.32
